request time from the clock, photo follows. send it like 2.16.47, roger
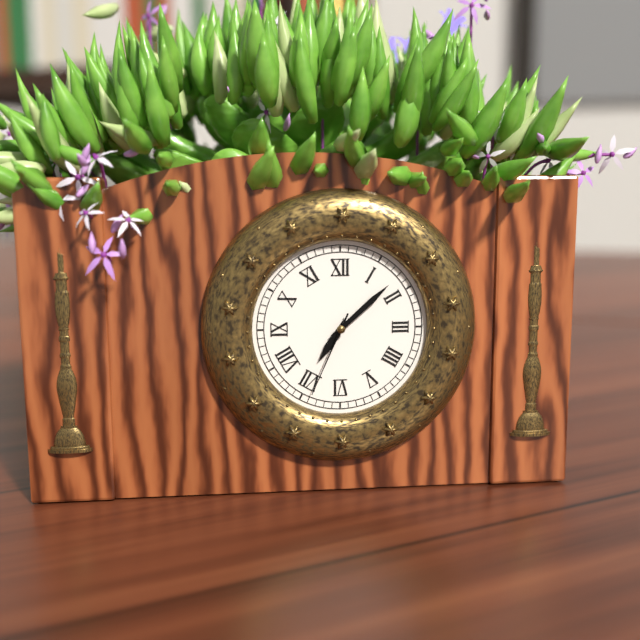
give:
7.08.34
